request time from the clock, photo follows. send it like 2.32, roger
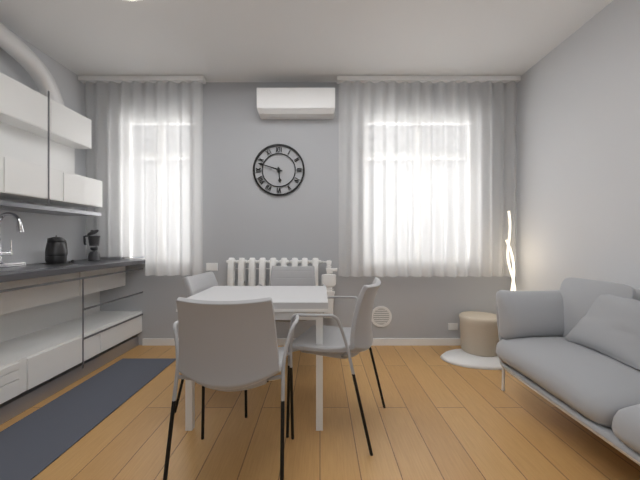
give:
5.48
